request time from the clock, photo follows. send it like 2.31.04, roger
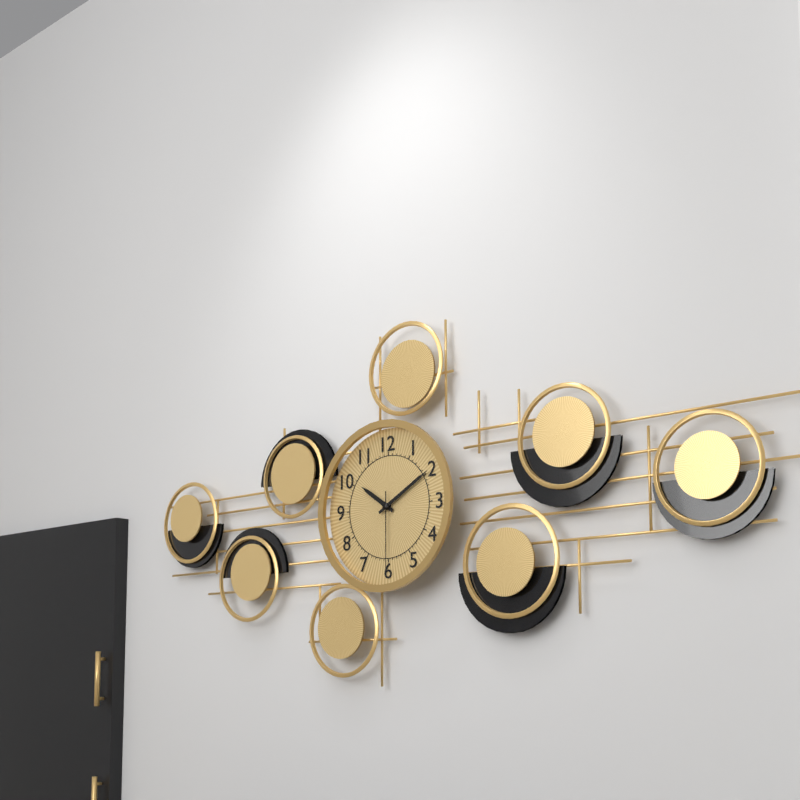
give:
10.10.30
